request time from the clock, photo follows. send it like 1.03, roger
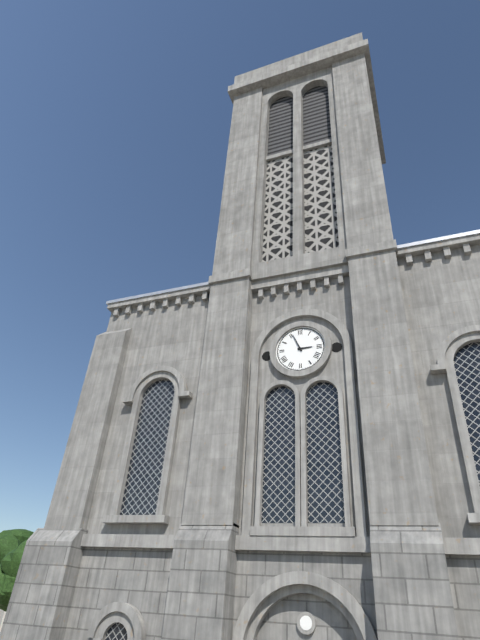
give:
2.56
